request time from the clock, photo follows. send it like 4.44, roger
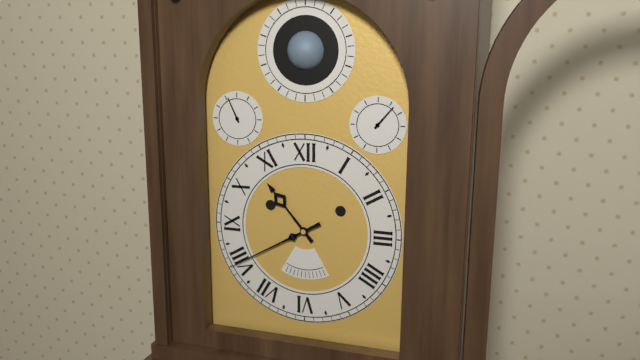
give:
10.40
